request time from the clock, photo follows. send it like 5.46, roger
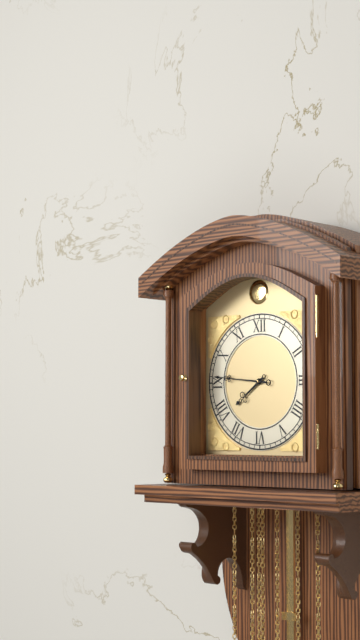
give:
7.46
